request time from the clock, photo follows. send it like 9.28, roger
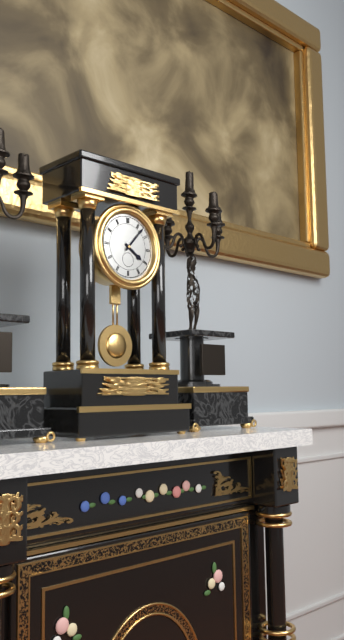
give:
4.07
